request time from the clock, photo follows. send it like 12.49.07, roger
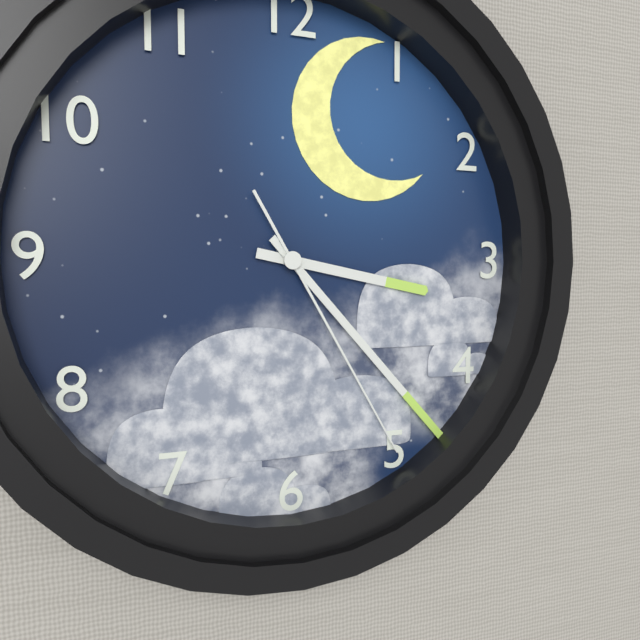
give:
3.23.25
